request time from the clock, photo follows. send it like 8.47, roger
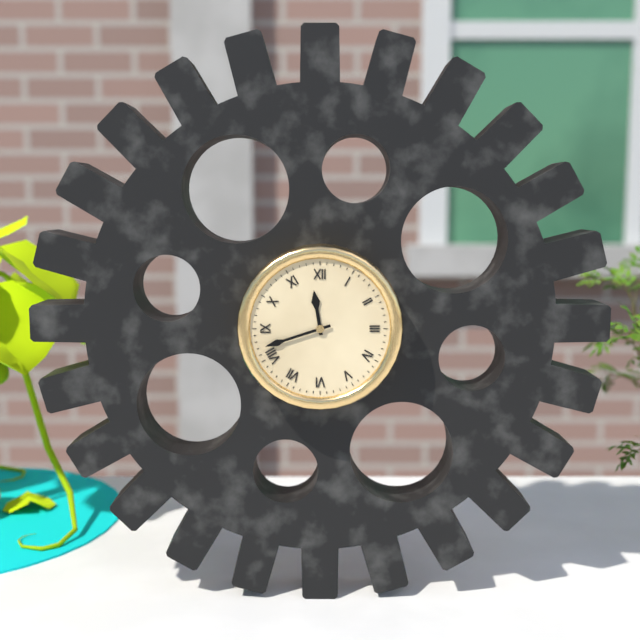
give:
11.42
